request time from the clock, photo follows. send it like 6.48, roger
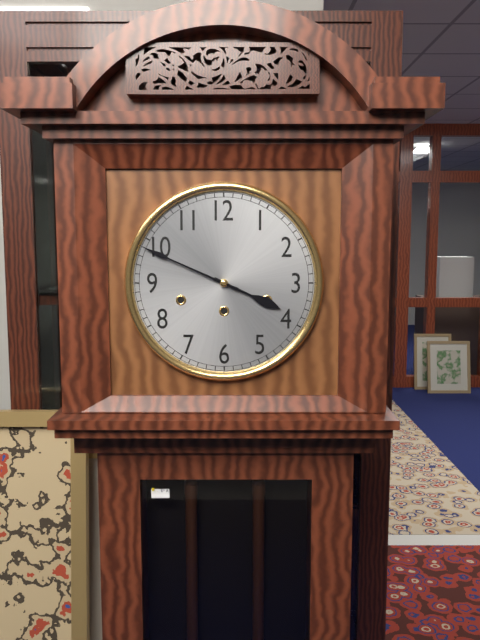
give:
3.49
